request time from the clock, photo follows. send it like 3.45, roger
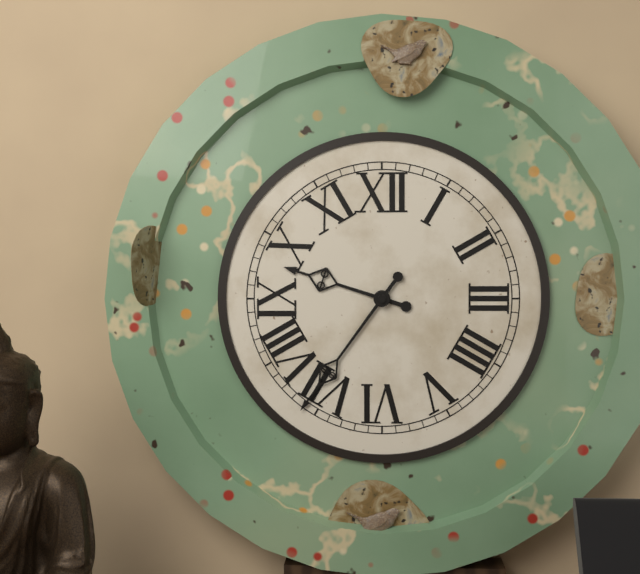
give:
9.36
